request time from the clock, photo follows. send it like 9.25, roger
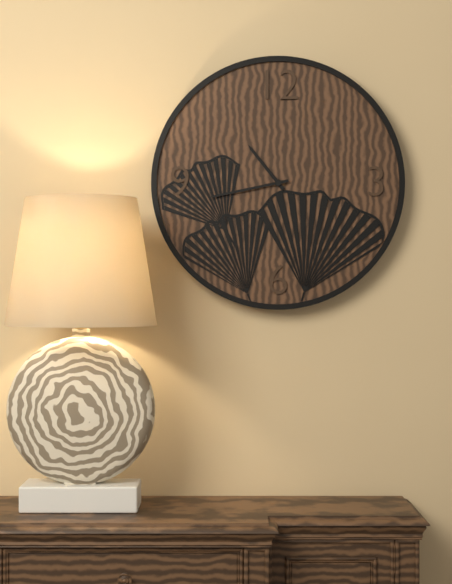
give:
10.43
